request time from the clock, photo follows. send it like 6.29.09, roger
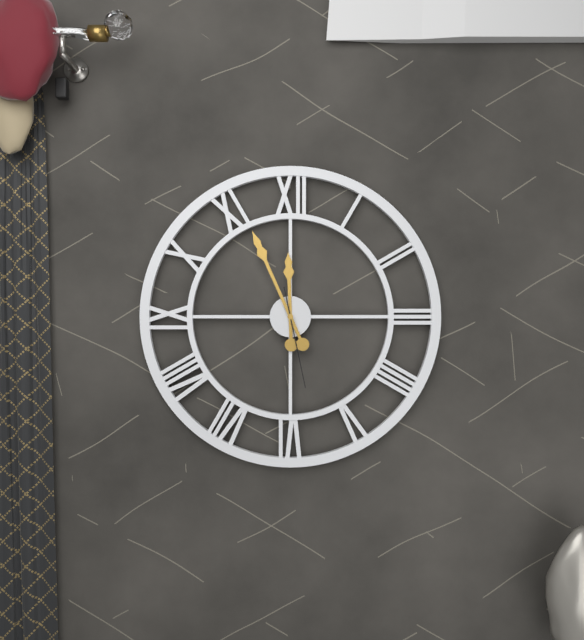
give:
11.56.28
